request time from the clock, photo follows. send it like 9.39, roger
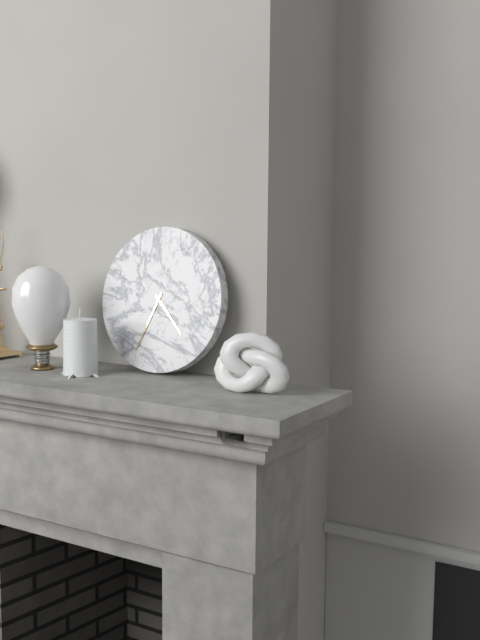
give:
4.34
